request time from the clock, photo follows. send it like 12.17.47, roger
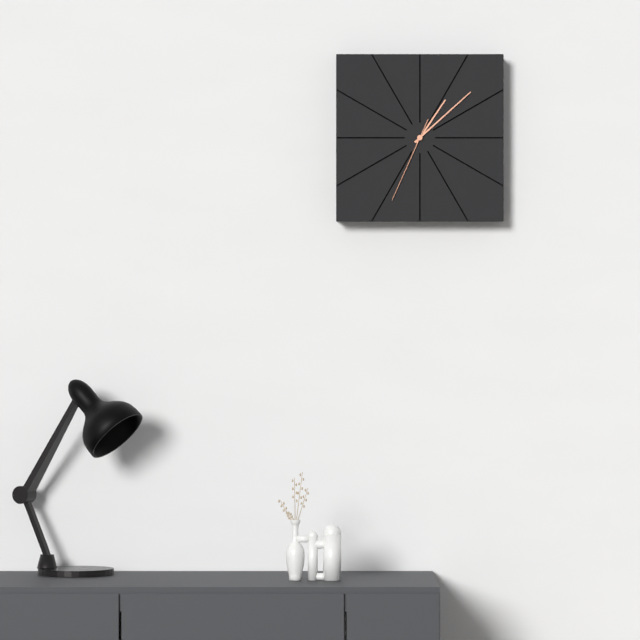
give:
1.08.34
